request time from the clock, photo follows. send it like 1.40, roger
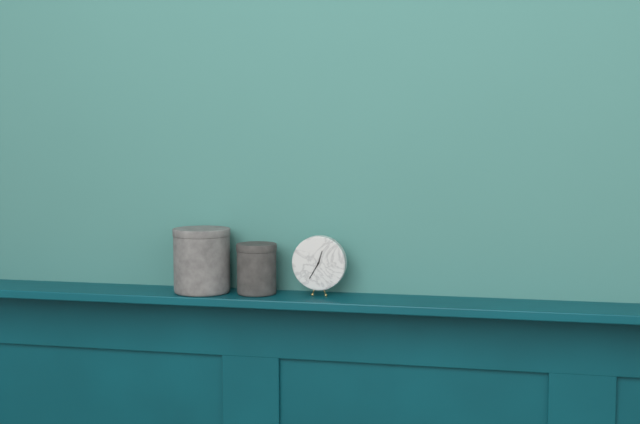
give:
12.35
